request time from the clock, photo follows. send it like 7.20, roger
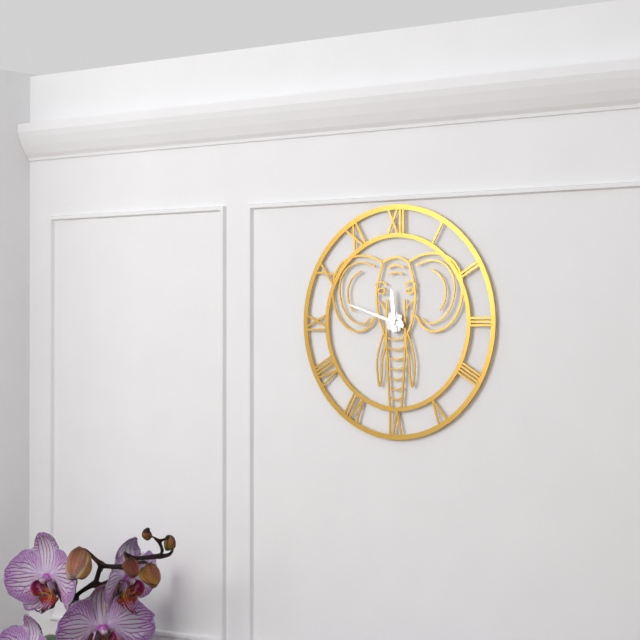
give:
11.48
